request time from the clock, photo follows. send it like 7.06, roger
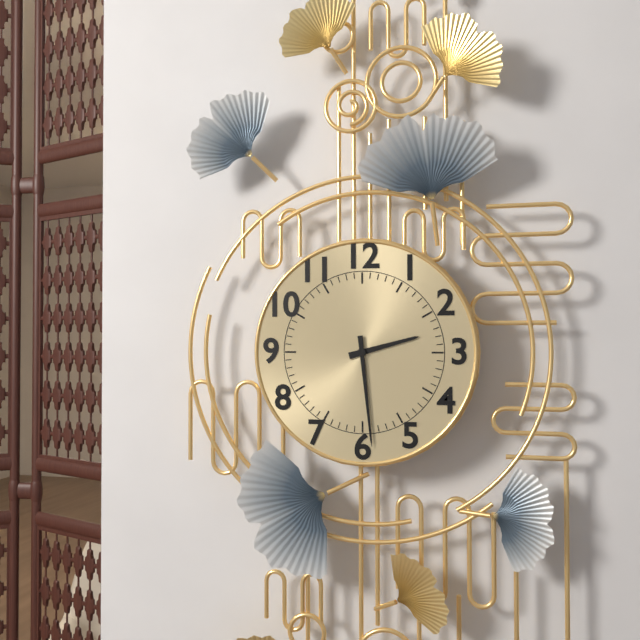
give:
2.29
